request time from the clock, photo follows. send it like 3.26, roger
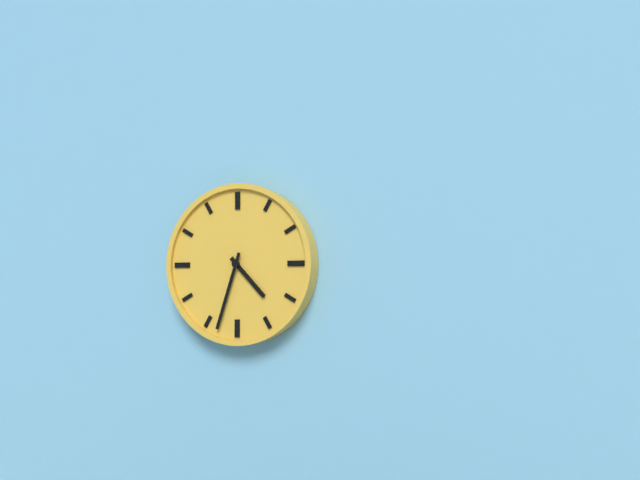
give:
4.33
